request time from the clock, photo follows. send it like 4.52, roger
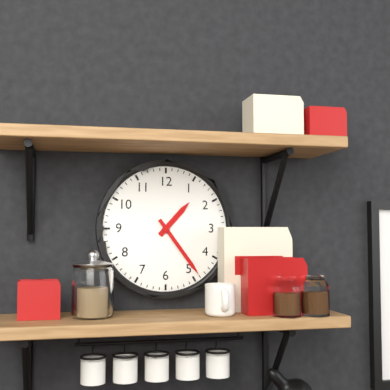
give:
1.24
